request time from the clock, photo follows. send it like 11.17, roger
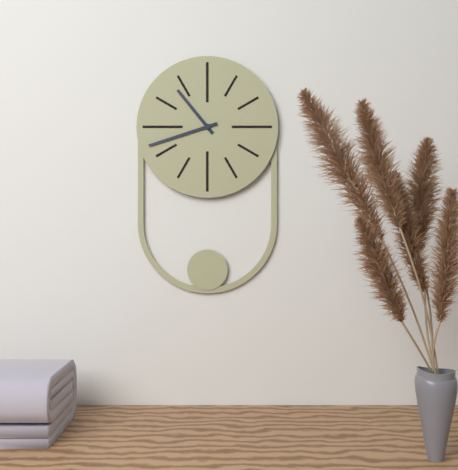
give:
10.42
